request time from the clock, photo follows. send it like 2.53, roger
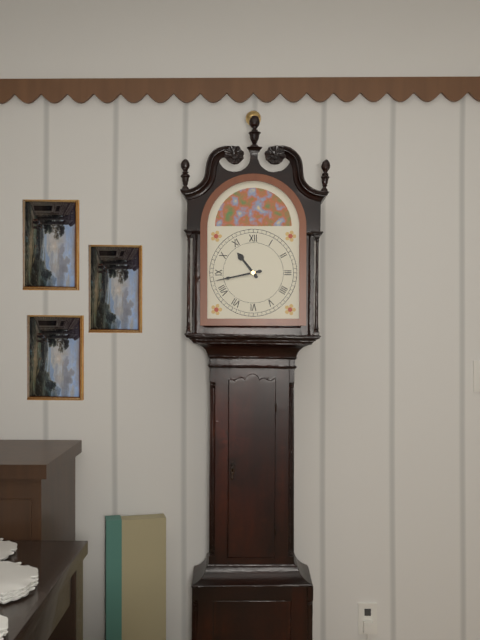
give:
10.43
